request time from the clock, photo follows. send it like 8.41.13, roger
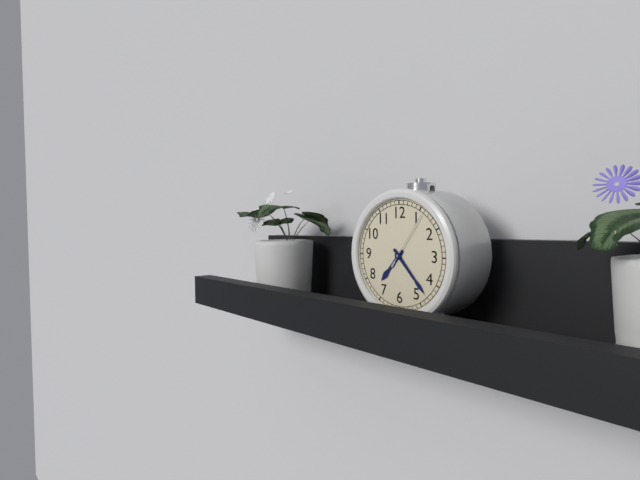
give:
7.23.06
